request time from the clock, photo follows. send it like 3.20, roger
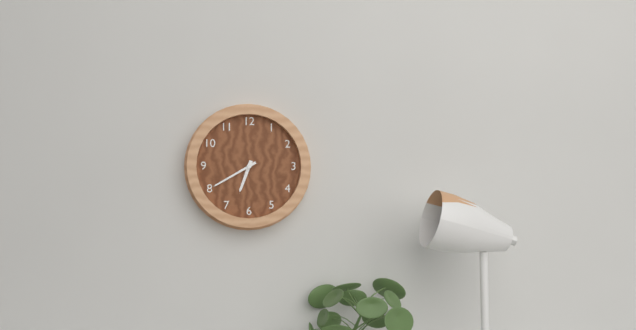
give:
6.40
